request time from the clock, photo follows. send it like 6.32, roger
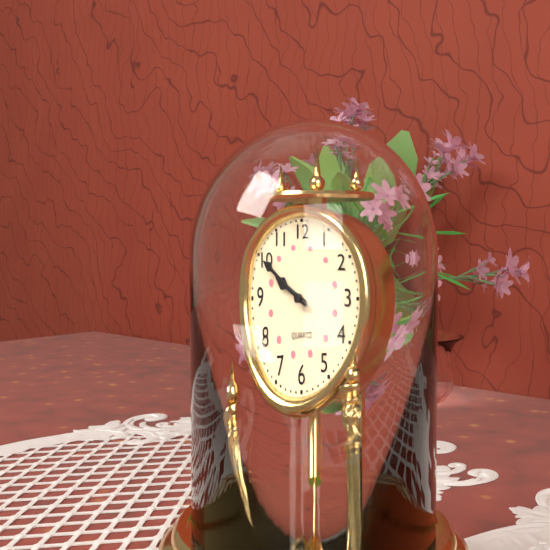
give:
9.50
